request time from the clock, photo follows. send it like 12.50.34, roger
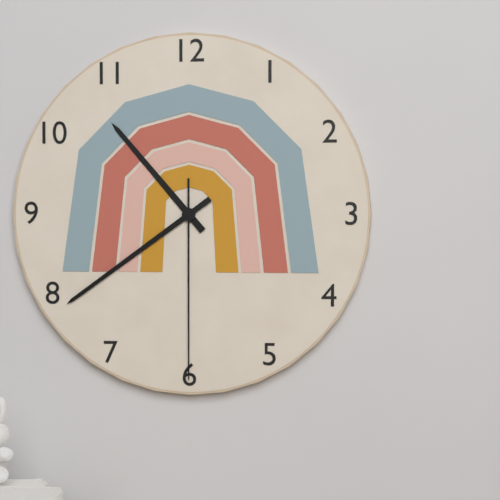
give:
10.39.30
